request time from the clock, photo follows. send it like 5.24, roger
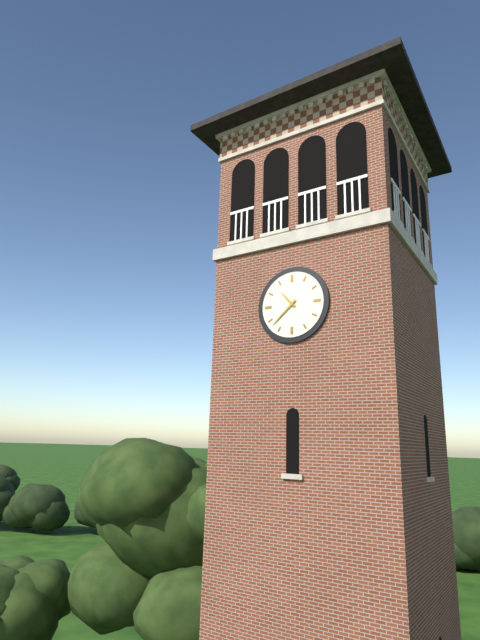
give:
10.38
